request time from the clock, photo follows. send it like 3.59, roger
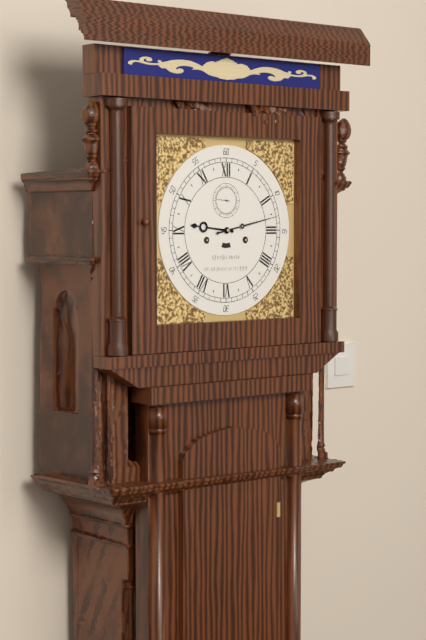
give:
9.13
